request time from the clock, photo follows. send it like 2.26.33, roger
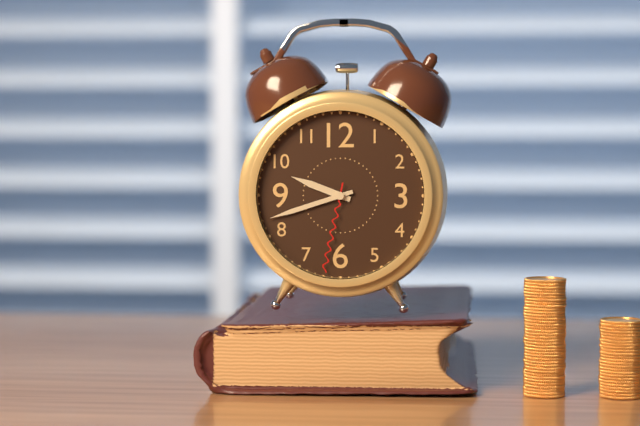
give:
9.42.32
